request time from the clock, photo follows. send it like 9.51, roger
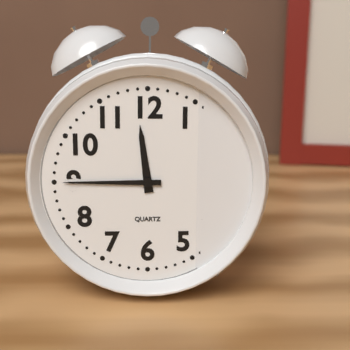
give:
11.45
